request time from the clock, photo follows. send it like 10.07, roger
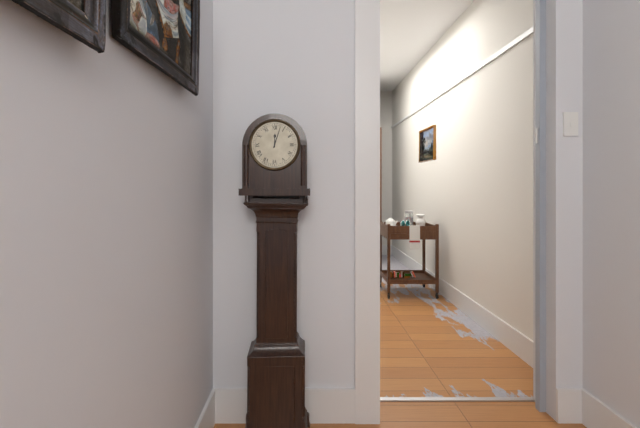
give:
12.03
